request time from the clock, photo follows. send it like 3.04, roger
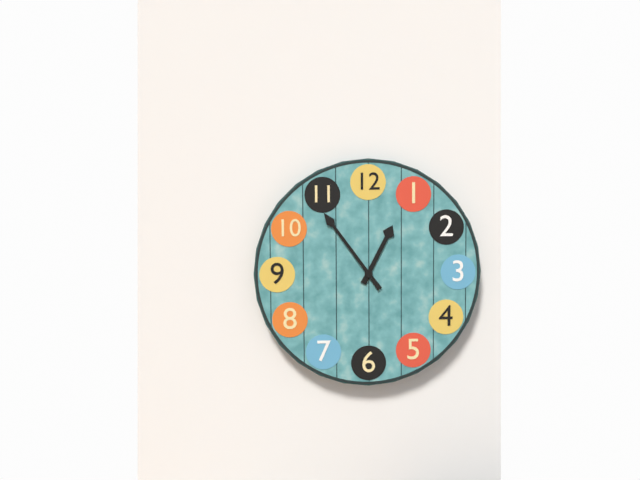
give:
12.54
